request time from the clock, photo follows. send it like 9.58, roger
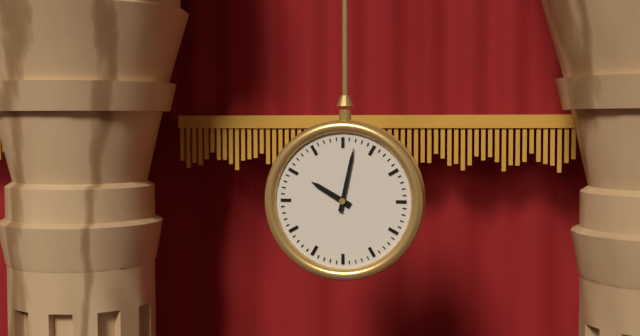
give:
10.02
